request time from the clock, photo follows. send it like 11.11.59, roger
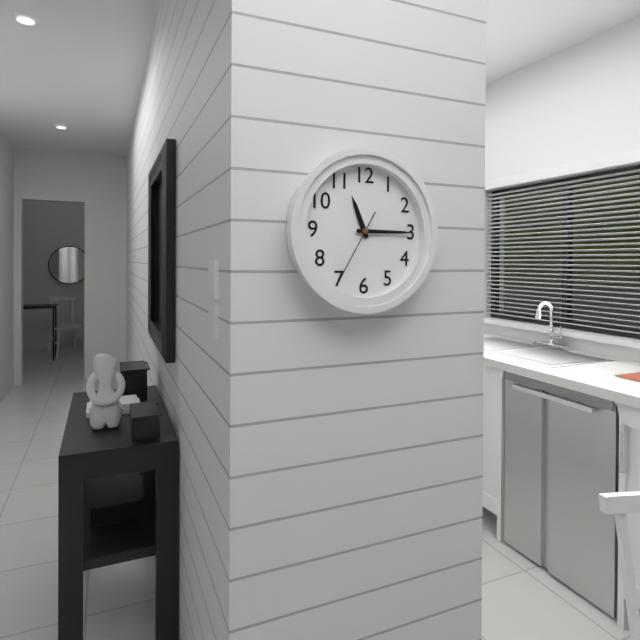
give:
11.15.35
